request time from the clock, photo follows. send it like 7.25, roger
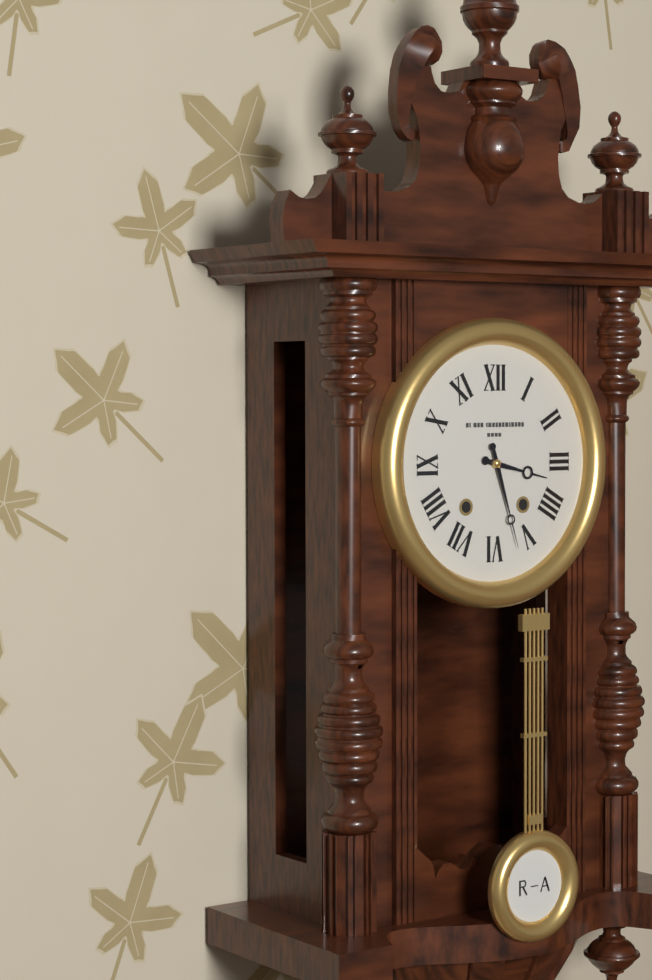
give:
3.27
